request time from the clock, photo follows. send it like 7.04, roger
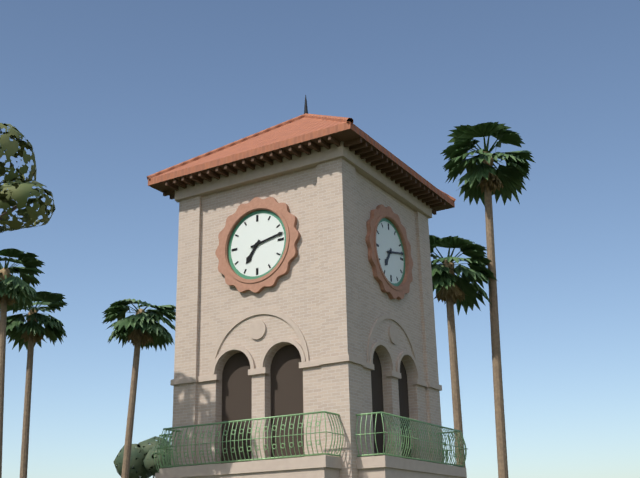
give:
7.13
